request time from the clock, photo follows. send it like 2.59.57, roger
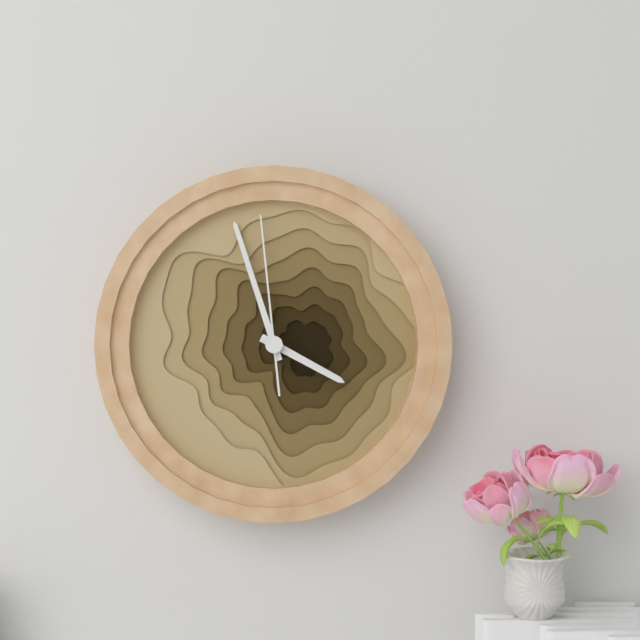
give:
3.57.59
